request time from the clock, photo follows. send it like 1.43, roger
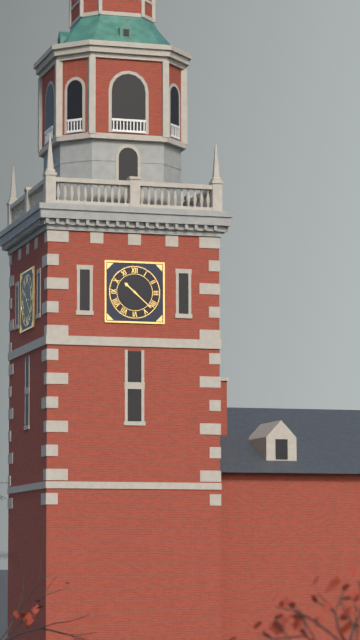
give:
10.22
